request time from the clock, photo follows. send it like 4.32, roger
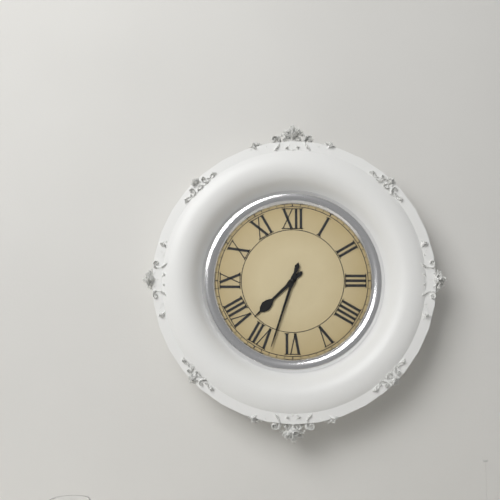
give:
7.33
